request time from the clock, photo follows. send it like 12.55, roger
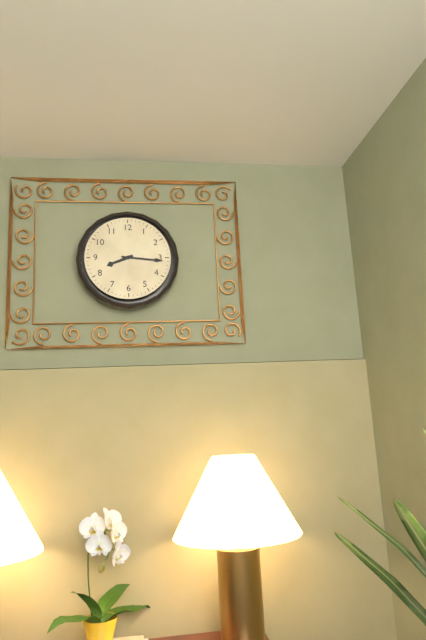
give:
8.16
